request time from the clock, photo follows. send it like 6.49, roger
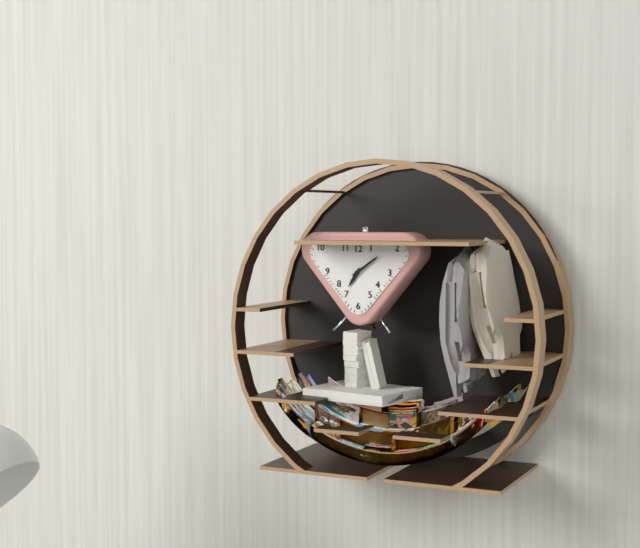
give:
7.09
